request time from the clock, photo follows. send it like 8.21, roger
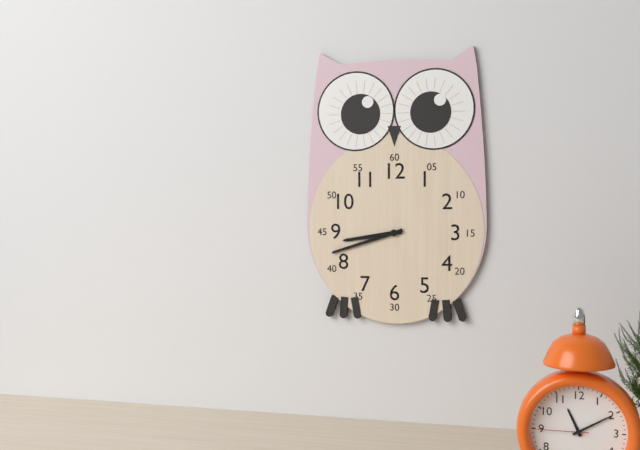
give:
8.42
